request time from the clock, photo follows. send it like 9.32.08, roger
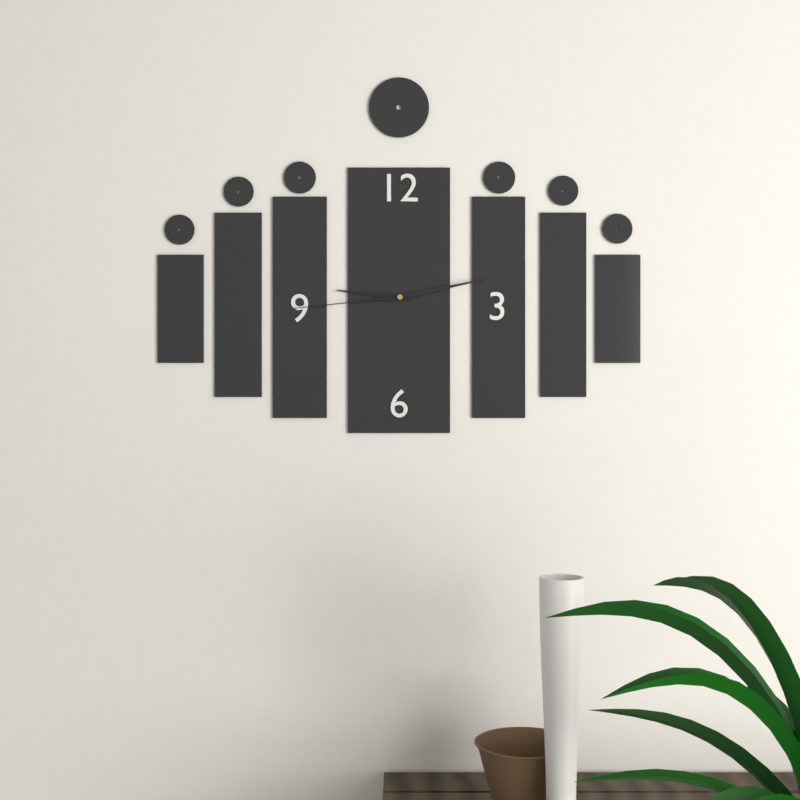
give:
9.13.44
